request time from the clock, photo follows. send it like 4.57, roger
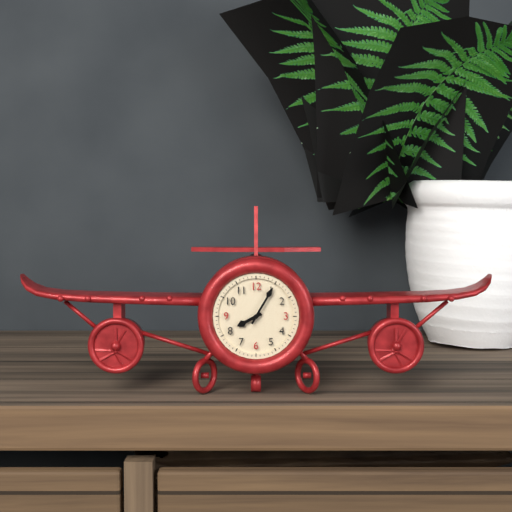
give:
8.05
